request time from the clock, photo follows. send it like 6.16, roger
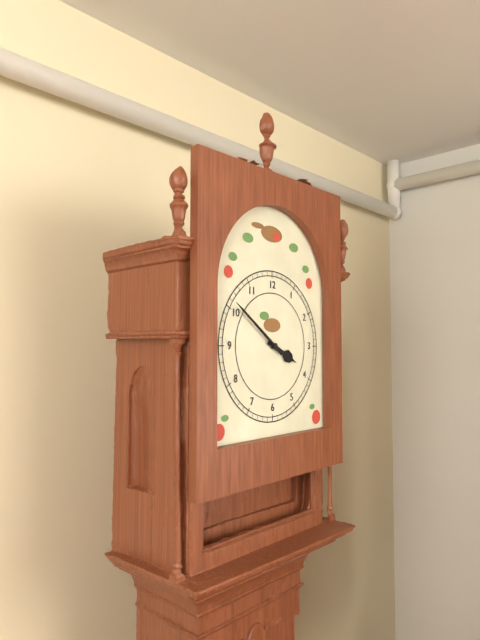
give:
3.51
